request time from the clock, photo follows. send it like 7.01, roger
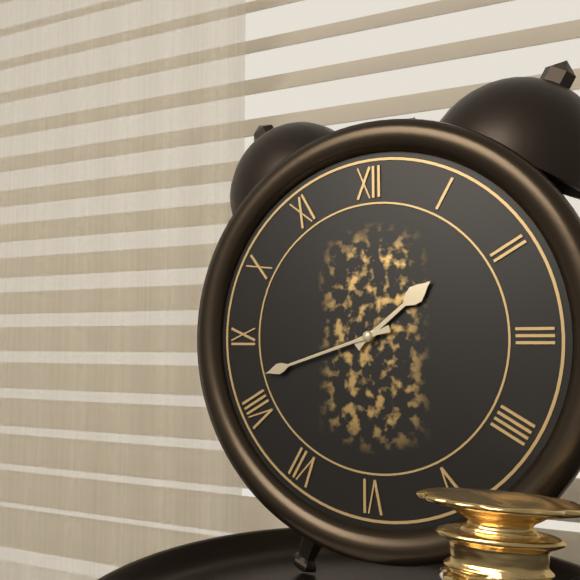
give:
1.42
